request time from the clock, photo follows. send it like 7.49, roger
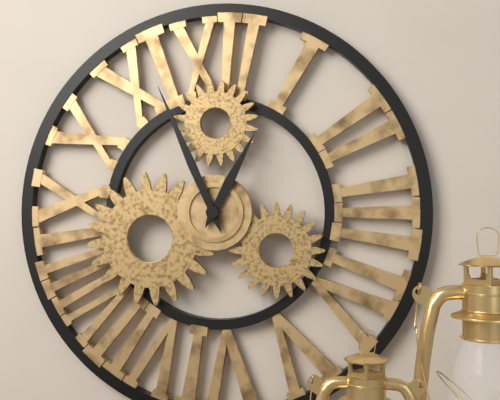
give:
12.56
